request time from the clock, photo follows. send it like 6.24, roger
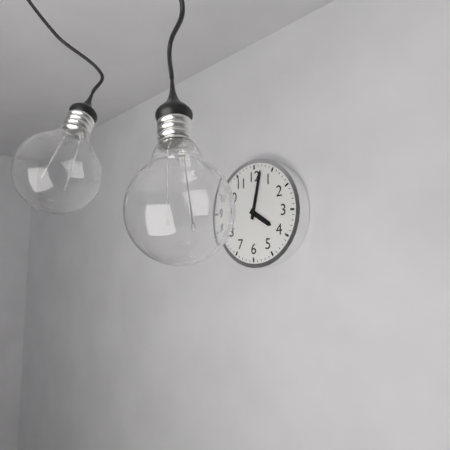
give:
4.02
